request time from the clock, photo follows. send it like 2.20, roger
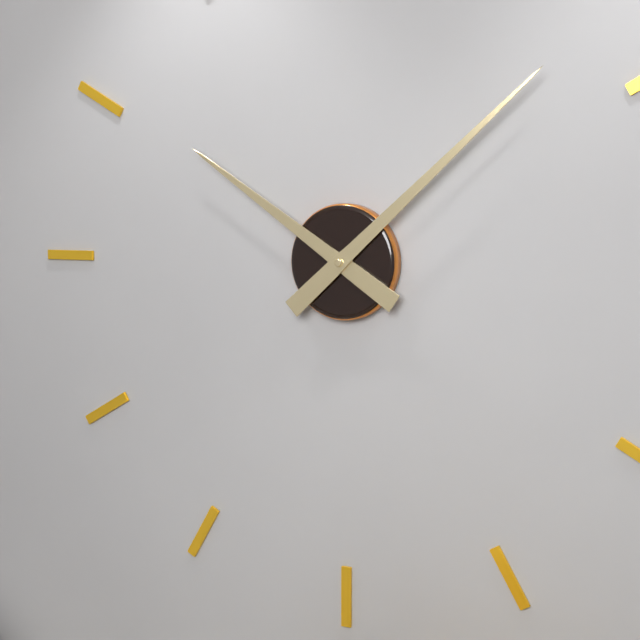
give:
10.08
